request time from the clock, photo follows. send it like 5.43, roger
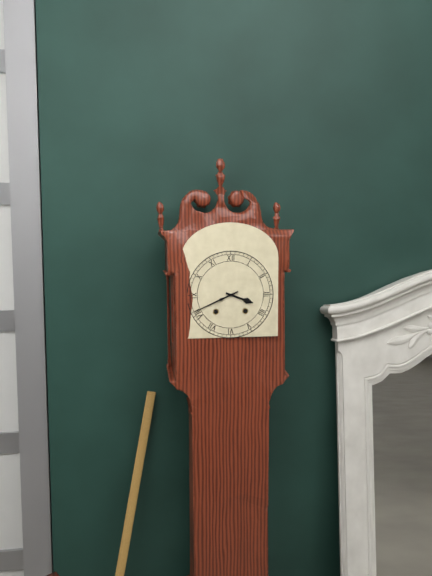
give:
3.41
